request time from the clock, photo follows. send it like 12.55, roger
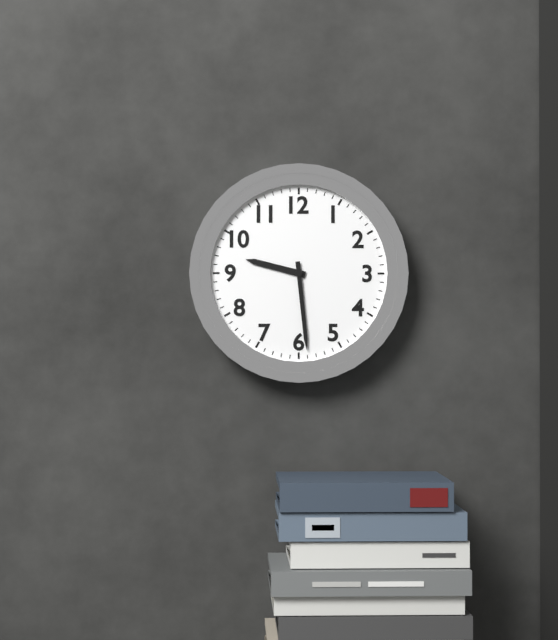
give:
9.29
